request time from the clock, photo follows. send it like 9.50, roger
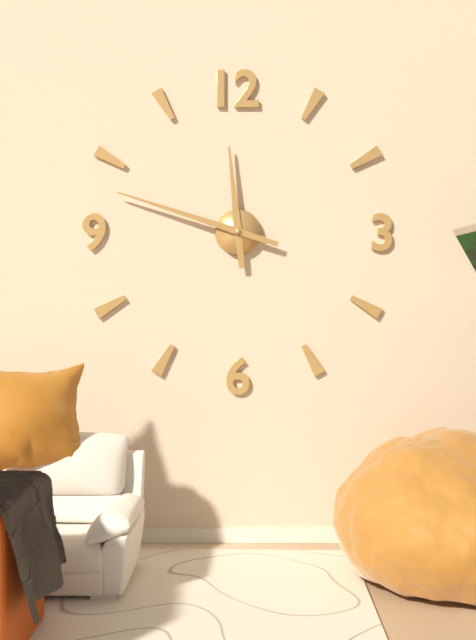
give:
11.48
